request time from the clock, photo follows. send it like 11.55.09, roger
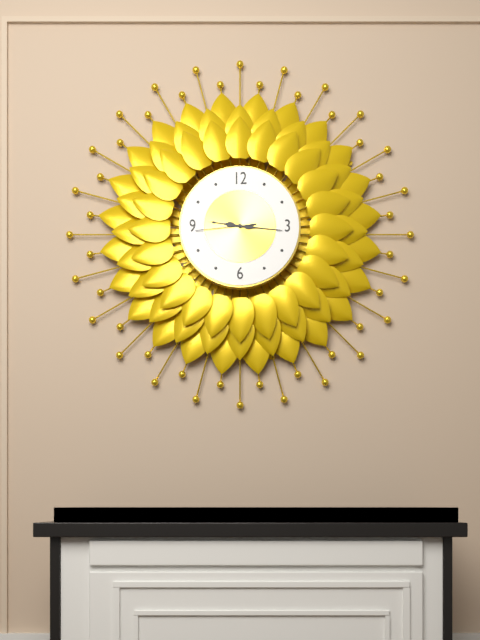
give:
9.16.44
